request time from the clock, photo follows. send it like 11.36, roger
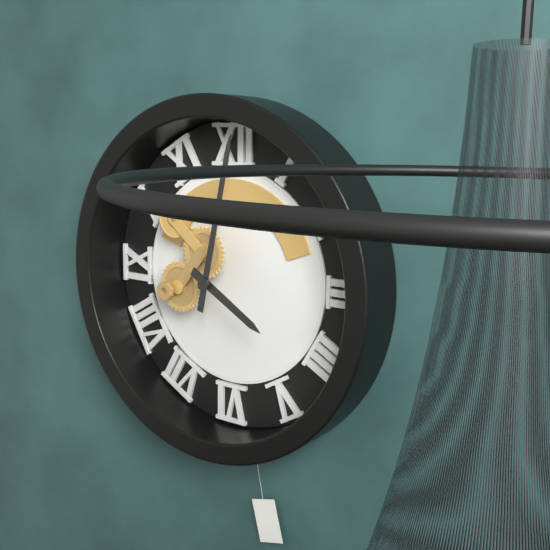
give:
4.02
